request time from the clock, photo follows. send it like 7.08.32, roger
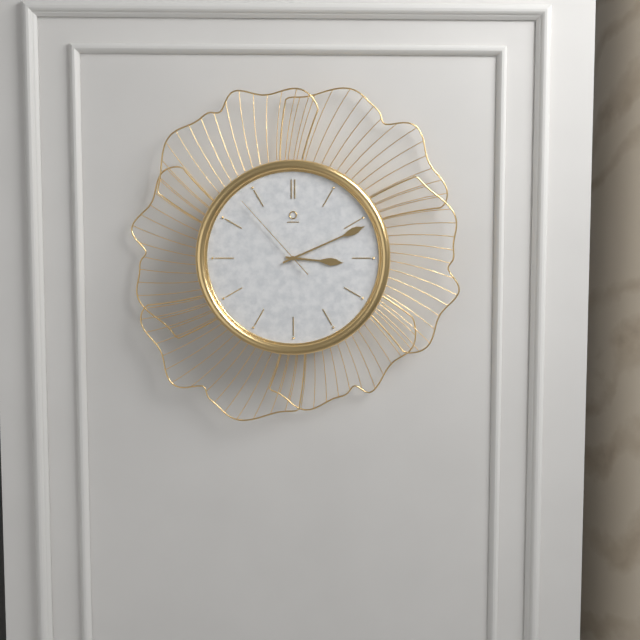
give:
3.11.53
